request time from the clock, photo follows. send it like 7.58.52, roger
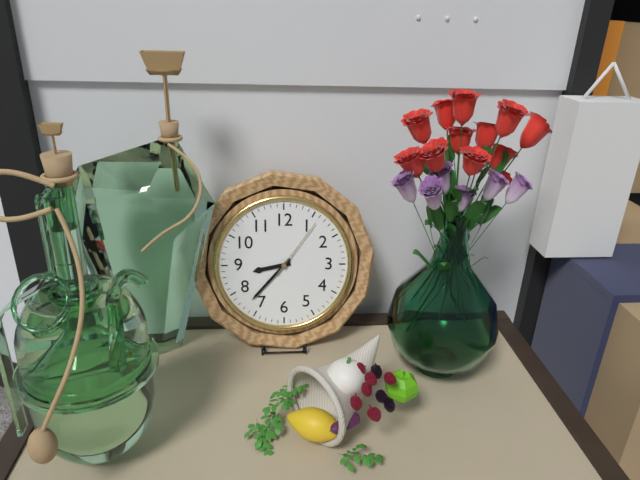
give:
8.37.06
